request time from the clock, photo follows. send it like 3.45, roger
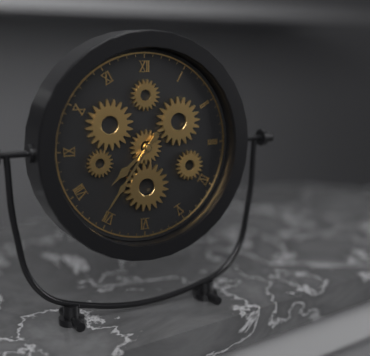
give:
7.36
